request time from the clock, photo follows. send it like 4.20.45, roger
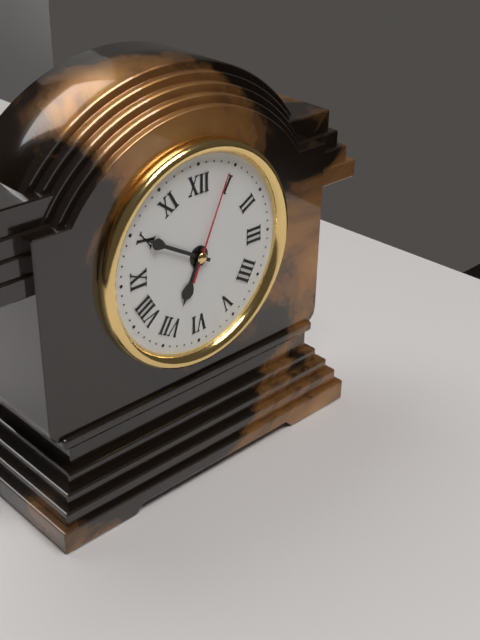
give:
6.50.04
